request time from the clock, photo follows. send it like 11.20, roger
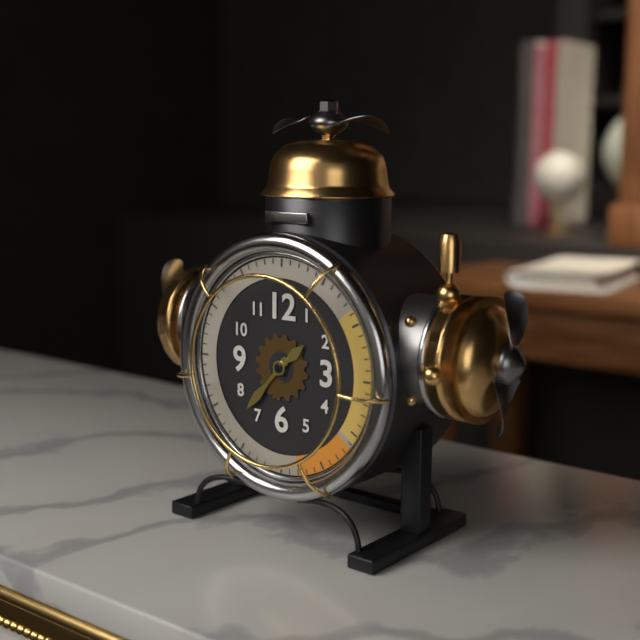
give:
1.37
